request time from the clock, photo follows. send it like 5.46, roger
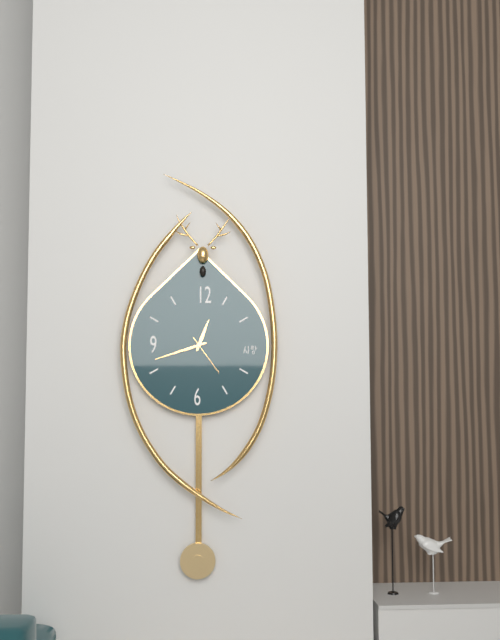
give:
12.42
